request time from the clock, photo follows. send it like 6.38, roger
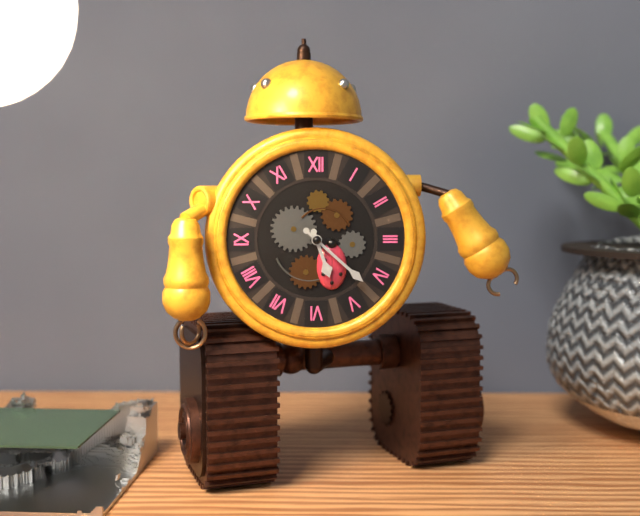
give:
5.22
